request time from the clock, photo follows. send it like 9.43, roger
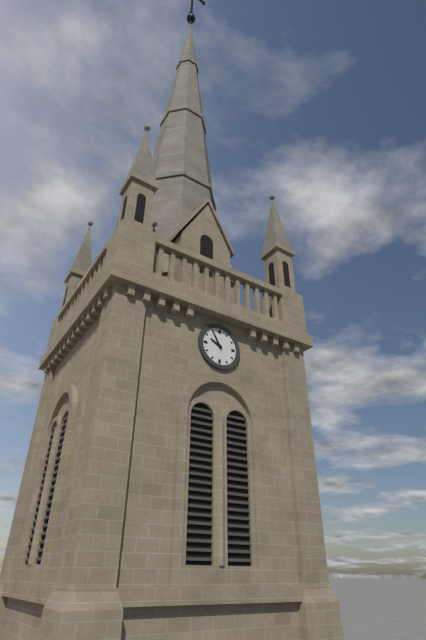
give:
9.55
